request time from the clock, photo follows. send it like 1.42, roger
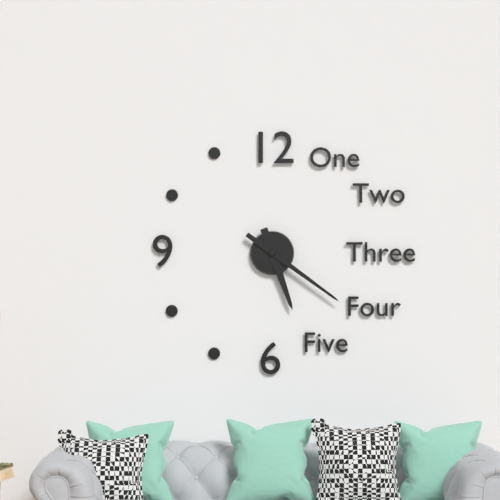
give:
5.21
